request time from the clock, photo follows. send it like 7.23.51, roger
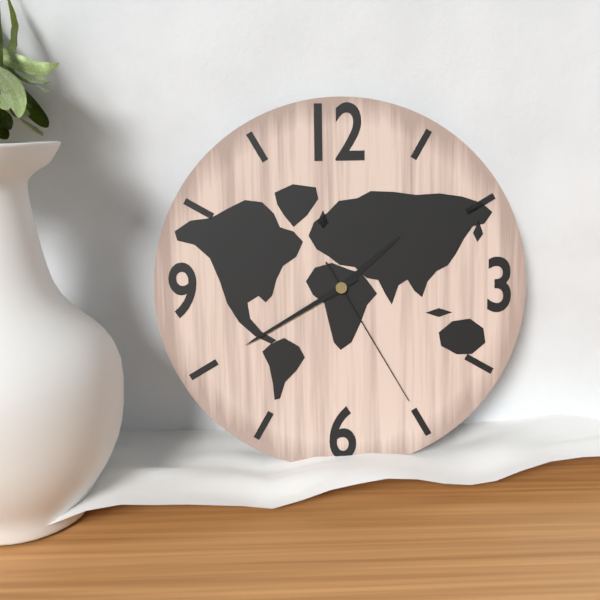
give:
1.40.25
